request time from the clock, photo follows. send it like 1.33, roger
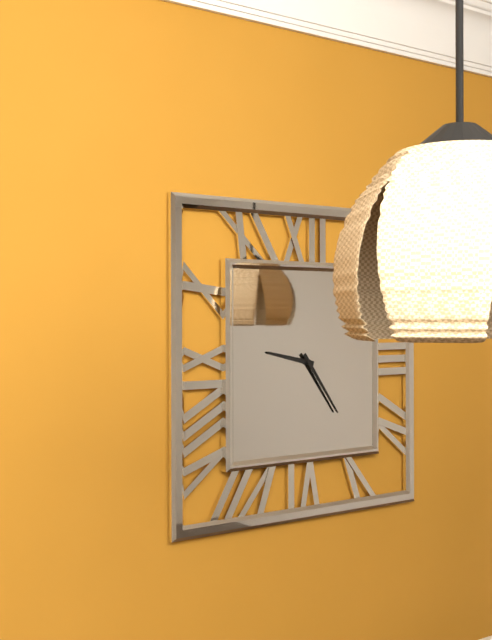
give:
9.24
